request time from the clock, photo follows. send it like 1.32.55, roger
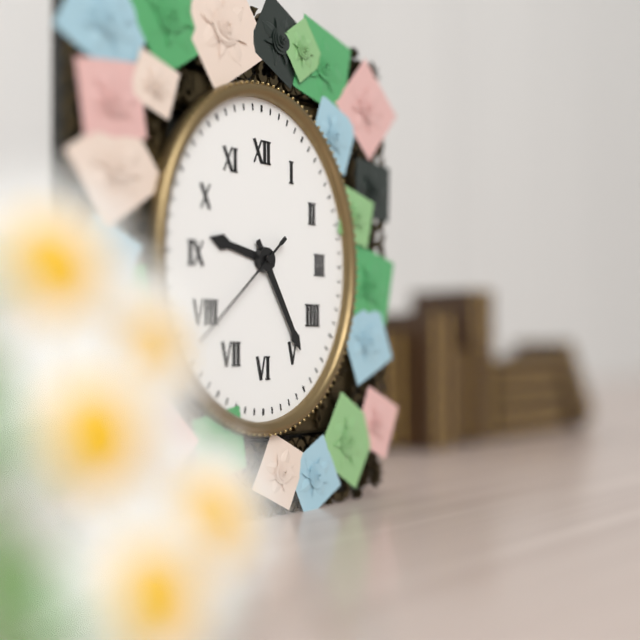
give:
9.25.38
